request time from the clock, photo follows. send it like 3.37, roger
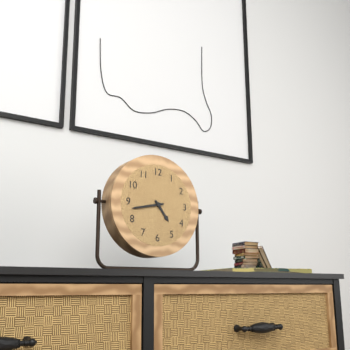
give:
4.43
